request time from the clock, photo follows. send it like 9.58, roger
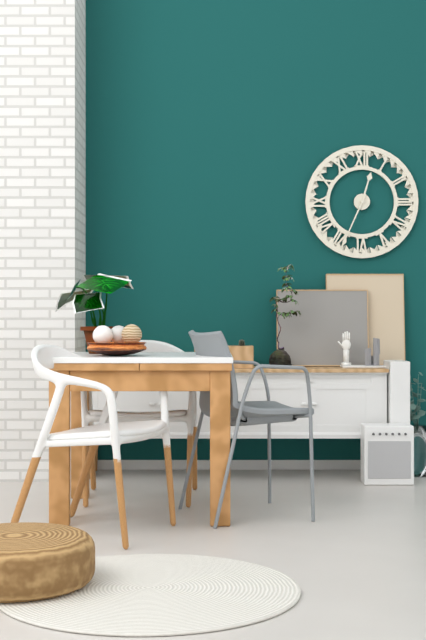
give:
12.34
